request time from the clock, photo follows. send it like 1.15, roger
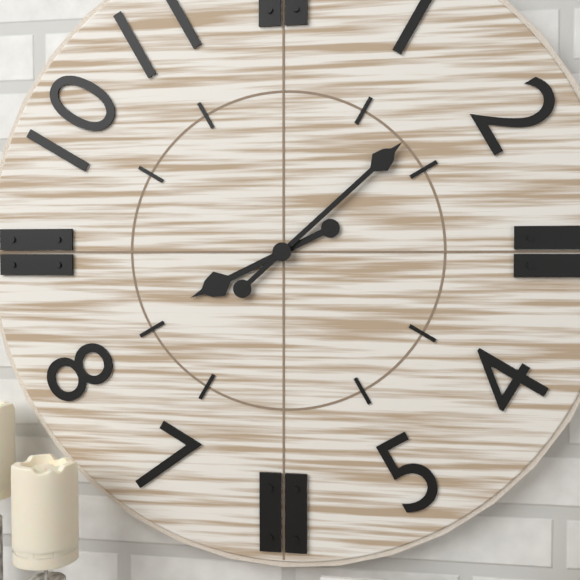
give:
8.08
